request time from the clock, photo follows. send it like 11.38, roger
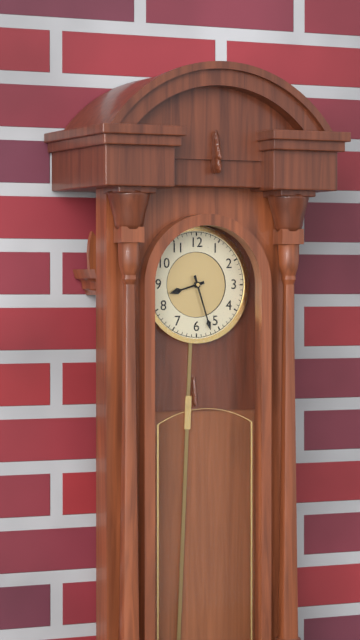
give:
8.27
